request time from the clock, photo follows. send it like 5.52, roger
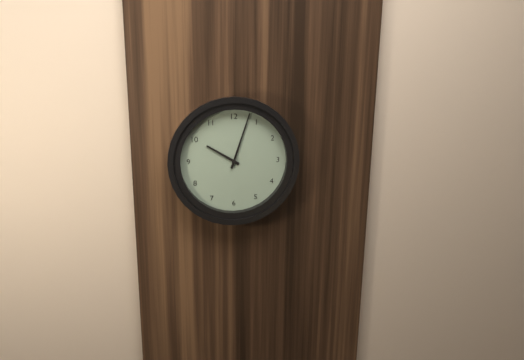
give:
10.03
